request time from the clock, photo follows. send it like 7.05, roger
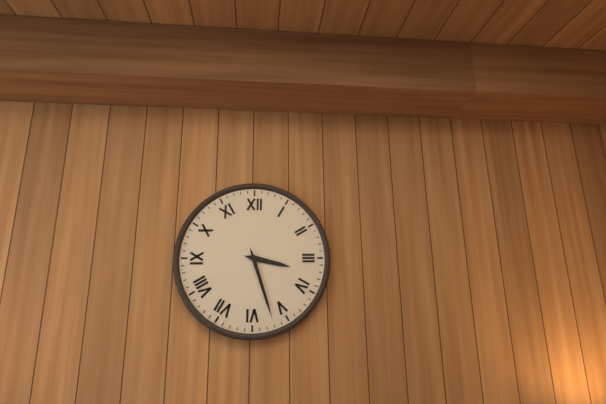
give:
3.27
